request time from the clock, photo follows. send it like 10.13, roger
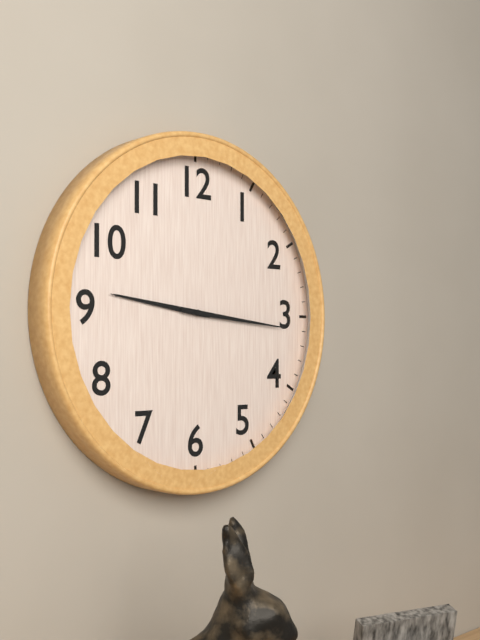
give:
9.16
